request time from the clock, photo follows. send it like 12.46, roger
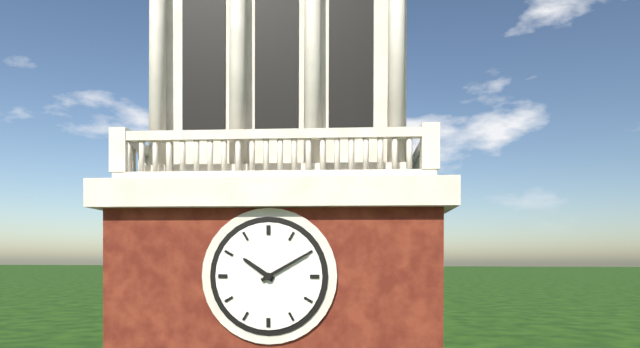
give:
10.10
